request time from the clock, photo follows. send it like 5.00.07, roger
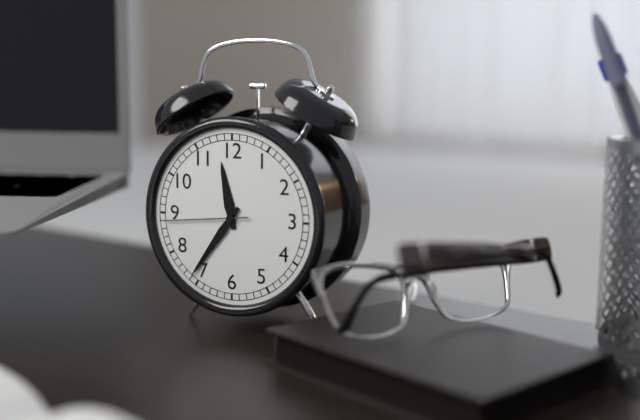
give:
11.36.44
